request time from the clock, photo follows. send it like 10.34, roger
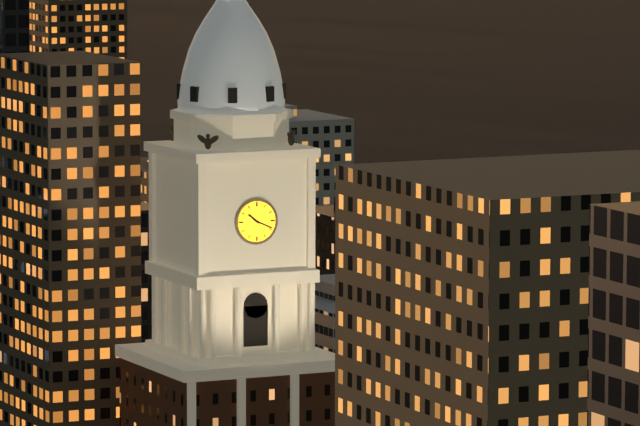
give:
10.19
